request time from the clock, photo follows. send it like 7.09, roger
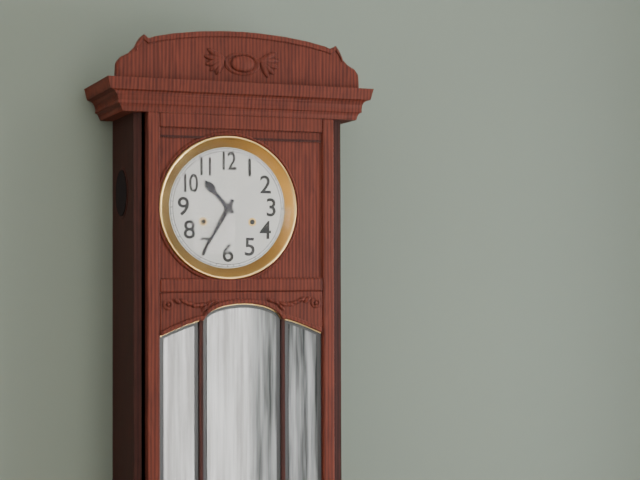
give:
10.35
